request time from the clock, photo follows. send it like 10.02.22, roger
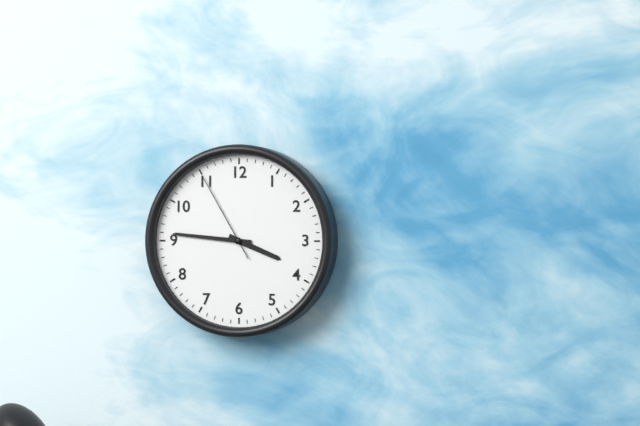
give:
3.46.55
